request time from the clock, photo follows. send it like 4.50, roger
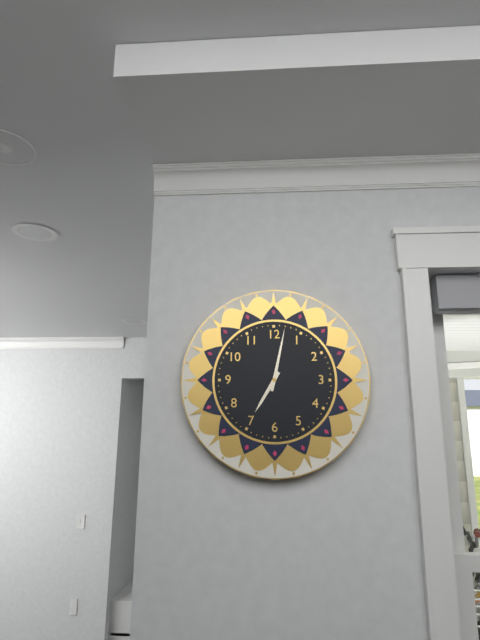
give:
7.02
